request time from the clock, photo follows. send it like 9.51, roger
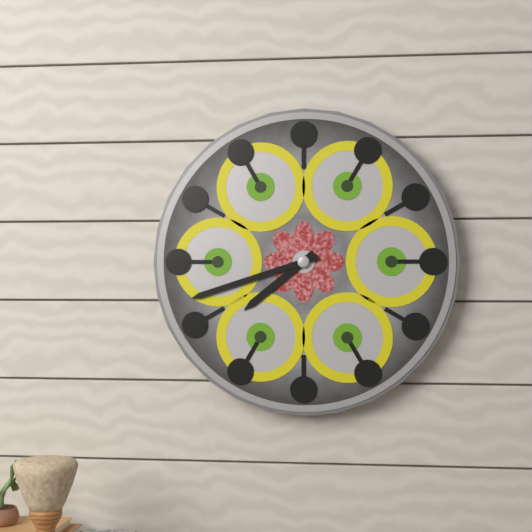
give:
7.42
